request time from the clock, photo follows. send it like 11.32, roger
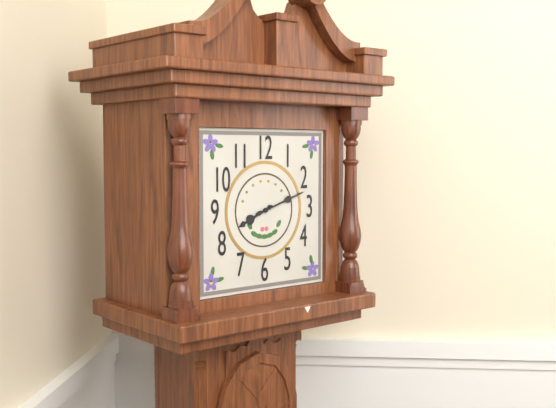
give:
8.12
